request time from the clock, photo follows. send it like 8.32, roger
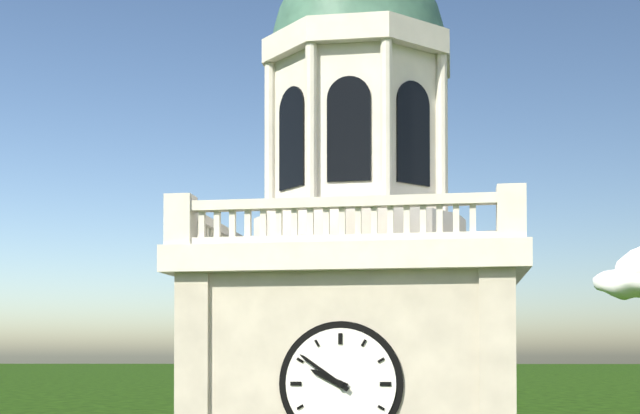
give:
9.51
